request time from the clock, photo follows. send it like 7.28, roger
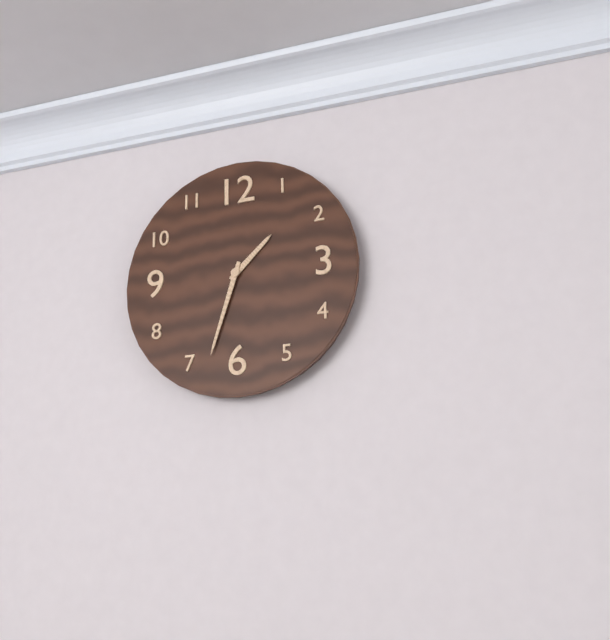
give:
1.33
